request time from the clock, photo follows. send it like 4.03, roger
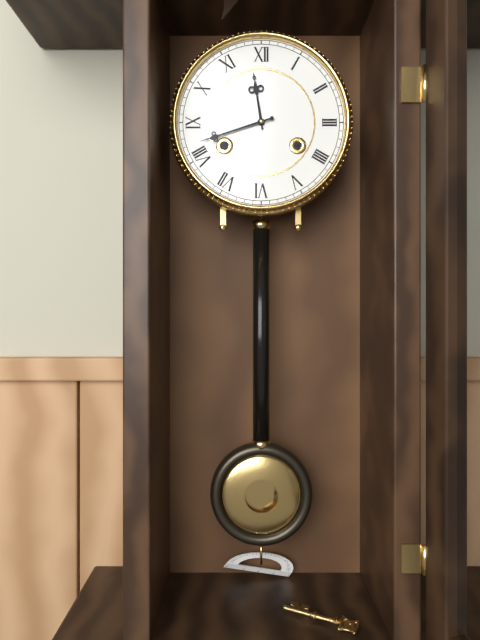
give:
11.42
